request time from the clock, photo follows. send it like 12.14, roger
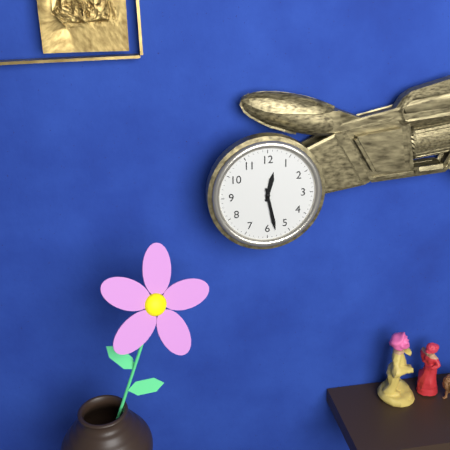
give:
12.28
